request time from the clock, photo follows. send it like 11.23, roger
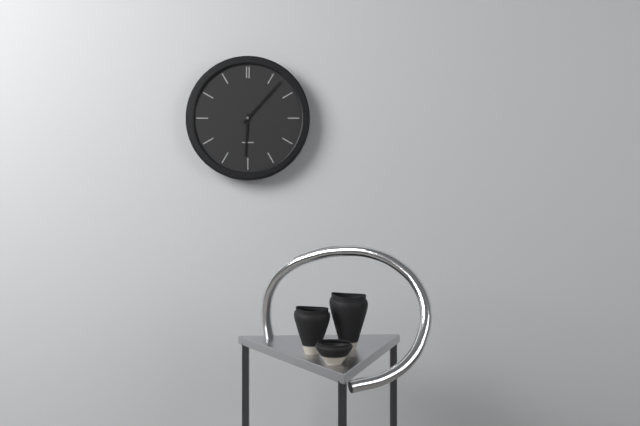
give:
6.07
